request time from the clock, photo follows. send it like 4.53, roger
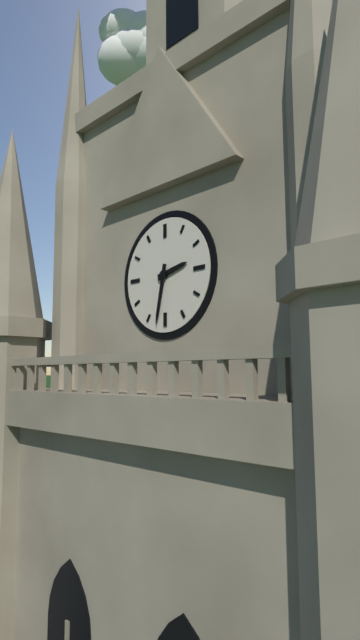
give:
2.32
